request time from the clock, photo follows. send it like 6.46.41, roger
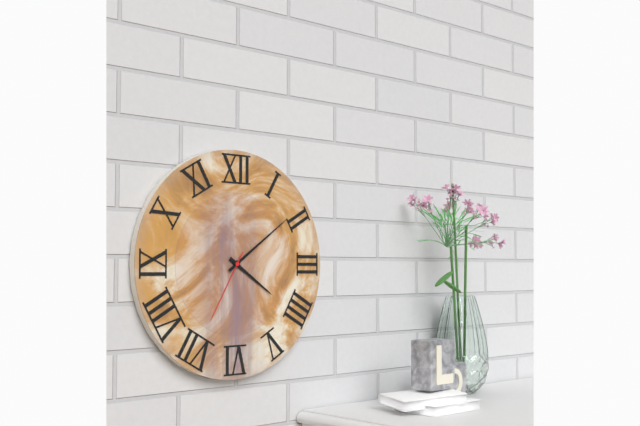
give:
4.09.35
